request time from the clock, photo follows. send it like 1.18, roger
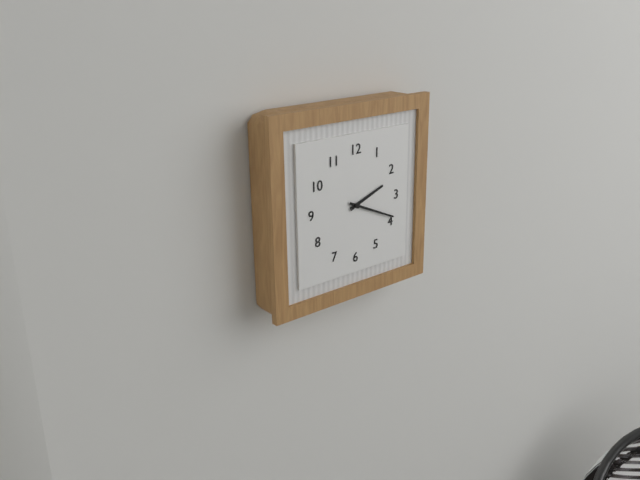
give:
2.19
